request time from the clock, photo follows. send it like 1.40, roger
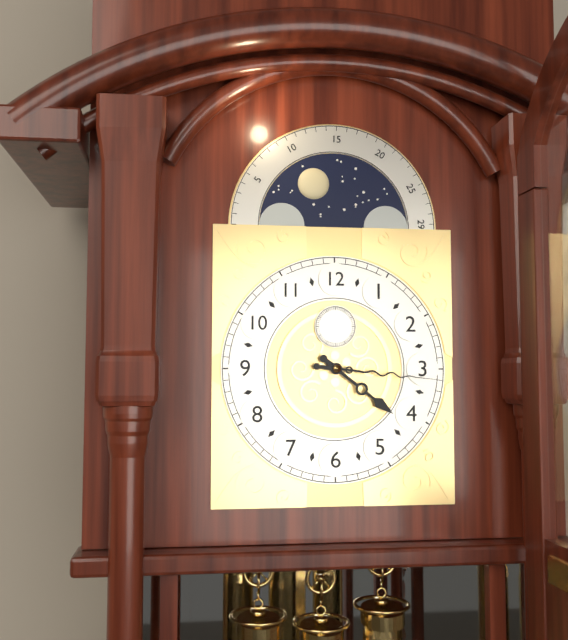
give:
4.16
